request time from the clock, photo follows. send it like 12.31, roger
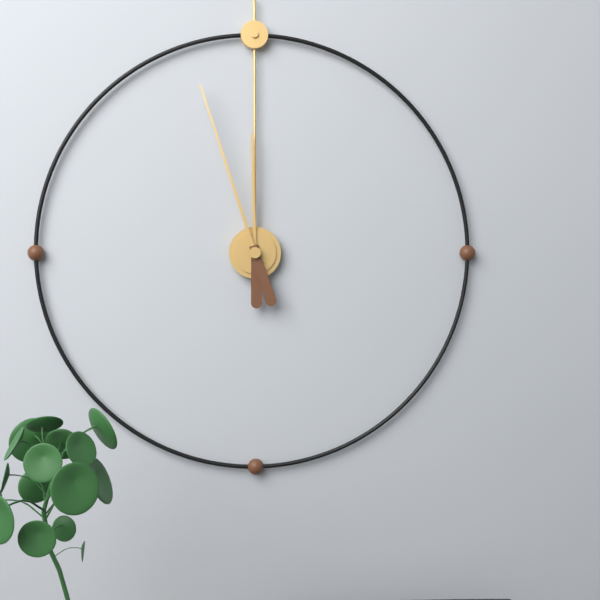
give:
11.57
